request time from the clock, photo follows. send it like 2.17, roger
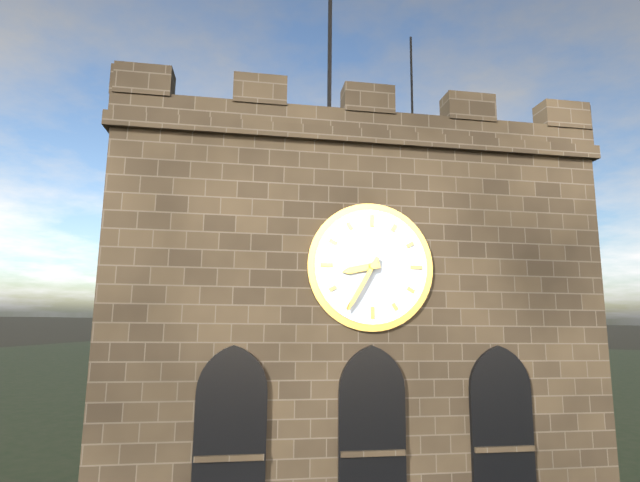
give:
8.35
